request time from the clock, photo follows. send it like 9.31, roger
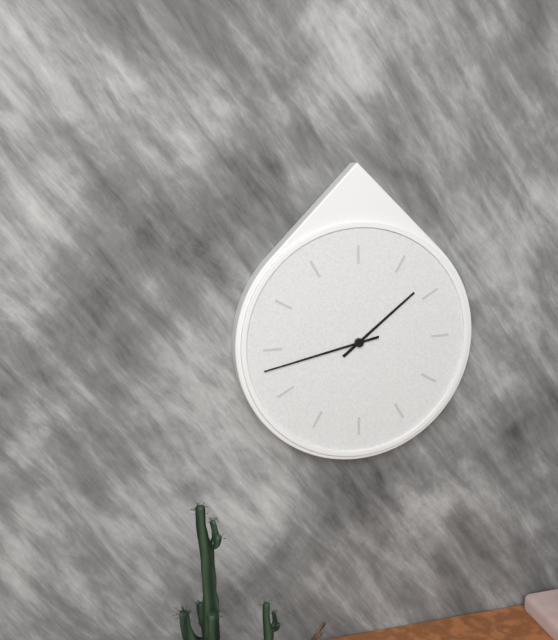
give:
1.43
